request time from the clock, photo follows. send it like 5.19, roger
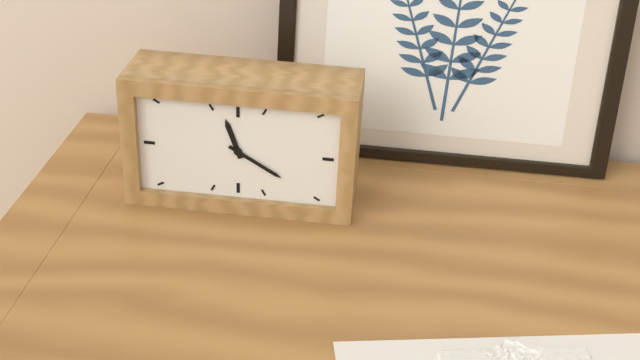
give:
11.20
